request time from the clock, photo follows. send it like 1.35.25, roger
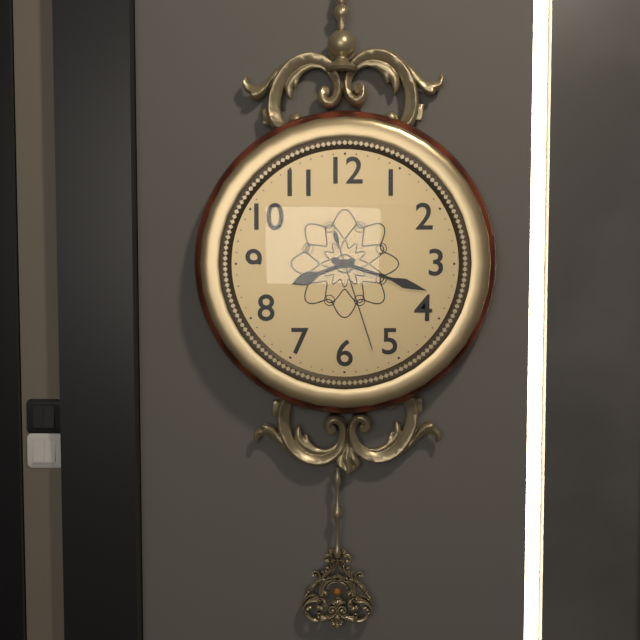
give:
8.18.27
